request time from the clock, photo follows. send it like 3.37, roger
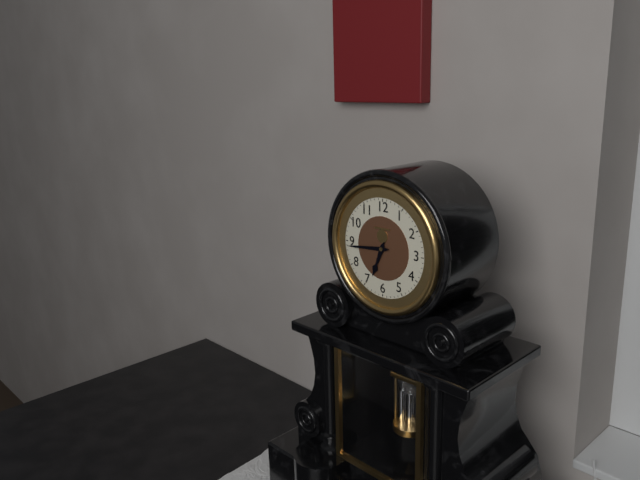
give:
6.44
